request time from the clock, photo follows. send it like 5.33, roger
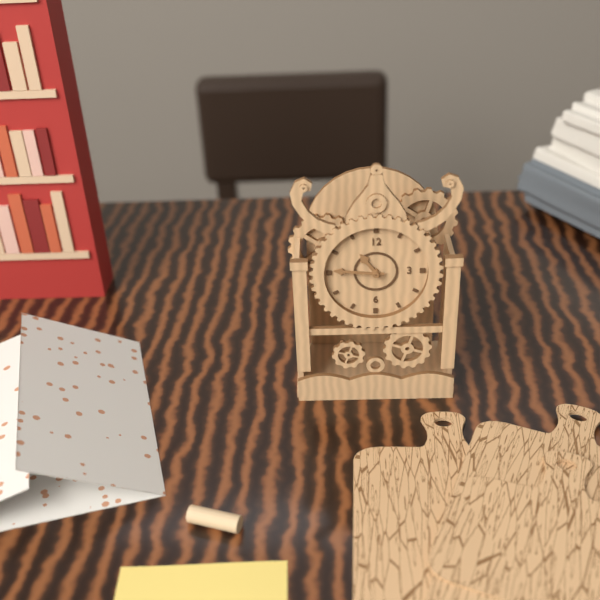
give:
10.46
